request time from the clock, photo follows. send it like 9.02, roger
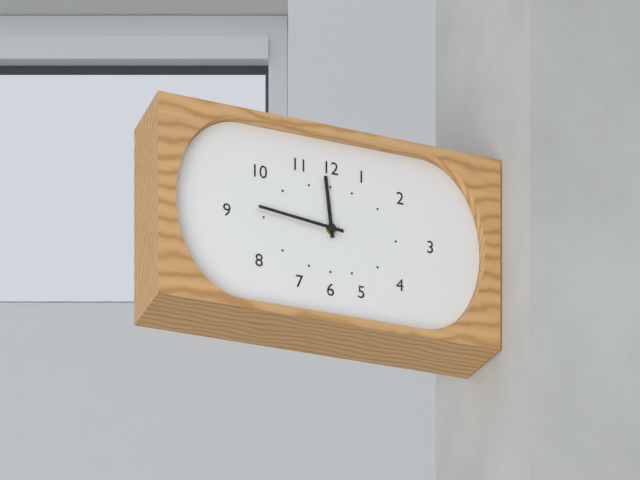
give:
11.46
